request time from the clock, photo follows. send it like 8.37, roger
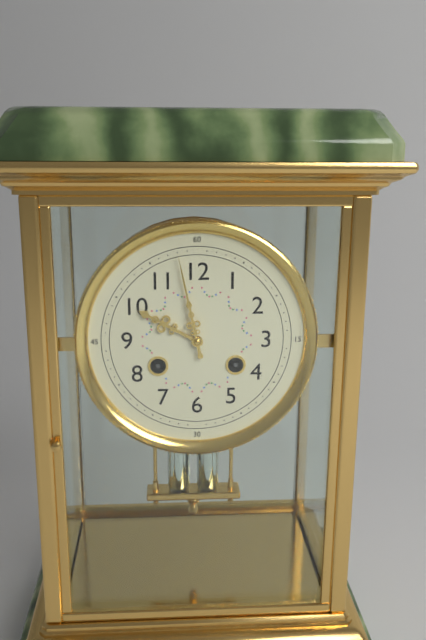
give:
9.58
